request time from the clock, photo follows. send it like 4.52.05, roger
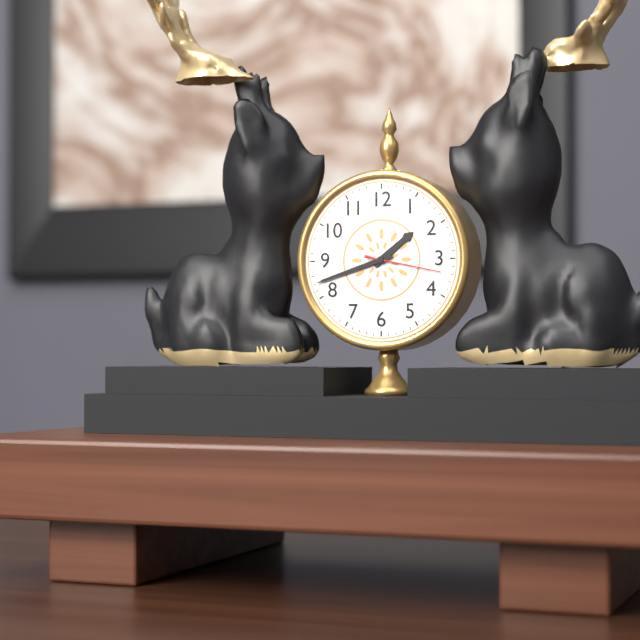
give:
1.42.17
